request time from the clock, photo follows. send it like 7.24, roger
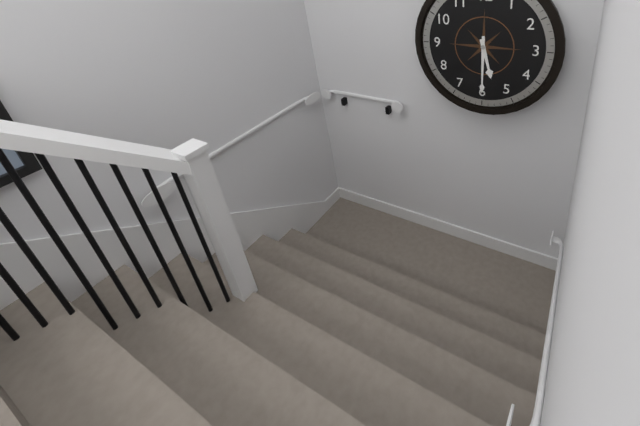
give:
5.30
